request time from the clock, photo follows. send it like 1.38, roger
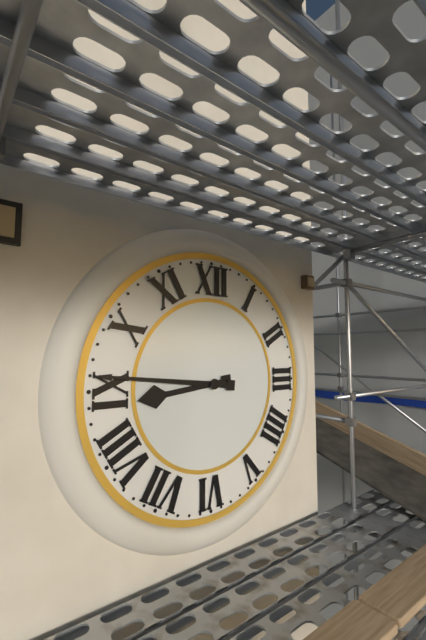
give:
8.46
